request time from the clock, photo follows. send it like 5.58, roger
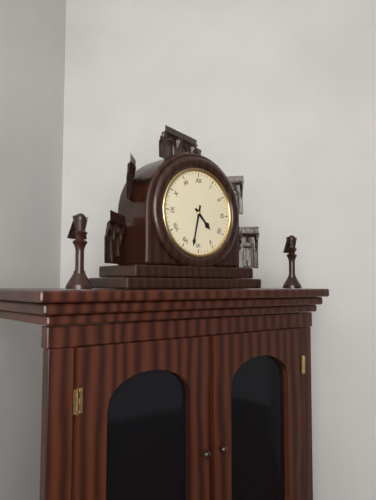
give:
4.32
